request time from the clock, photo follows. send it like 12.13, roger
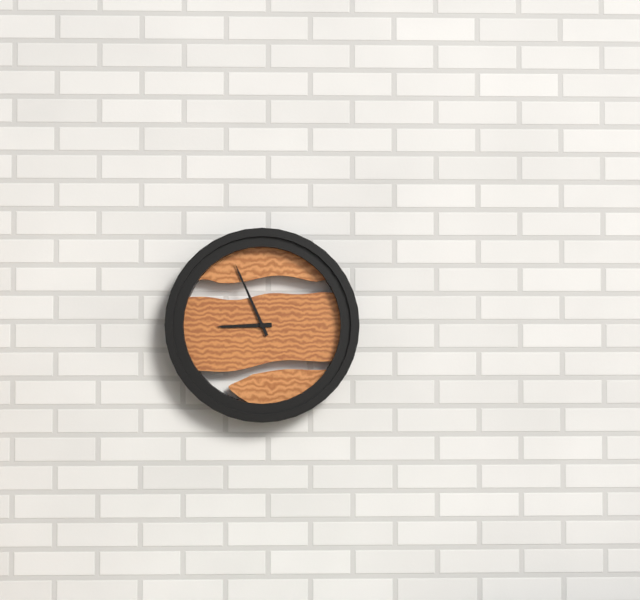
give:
8.56
